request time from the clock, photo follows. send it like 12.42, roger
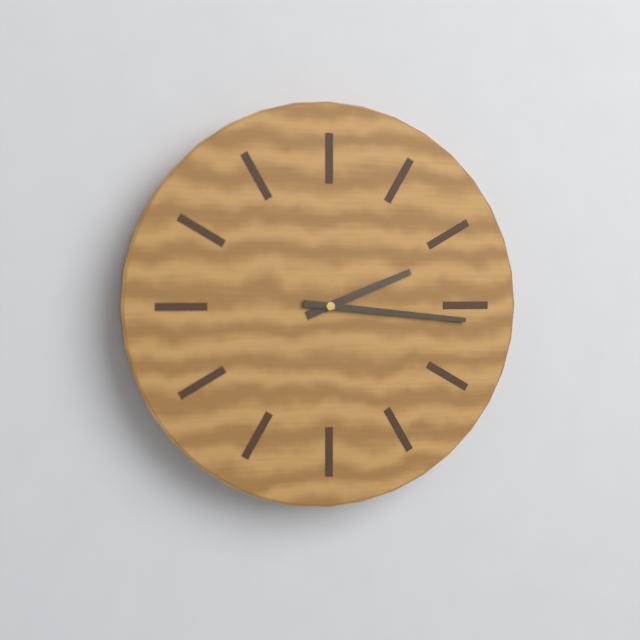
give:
2.16
